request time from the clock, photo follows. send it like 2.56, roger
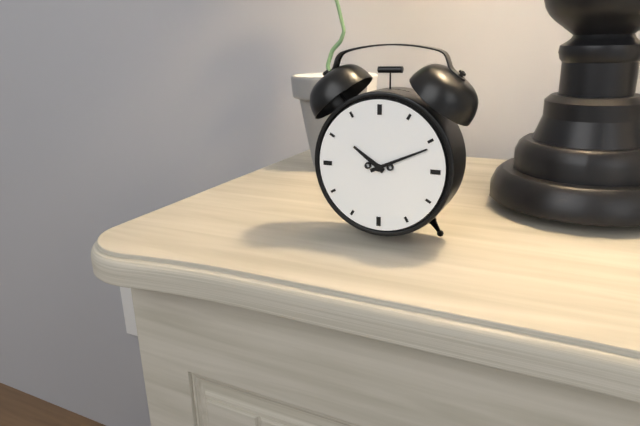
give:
10.11
